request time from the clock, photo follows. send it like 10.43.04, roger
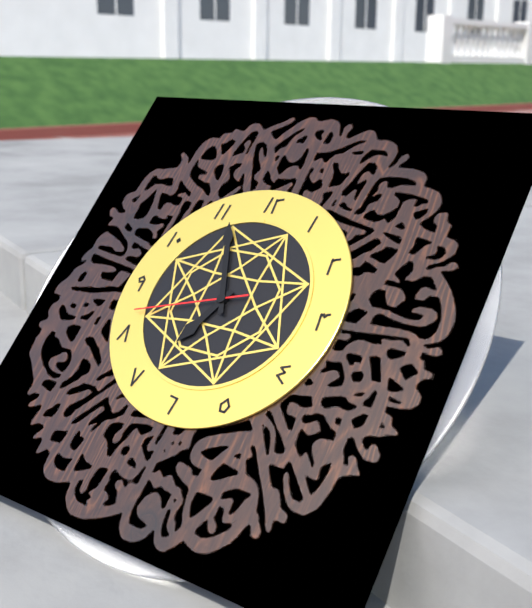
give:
6.56.42
